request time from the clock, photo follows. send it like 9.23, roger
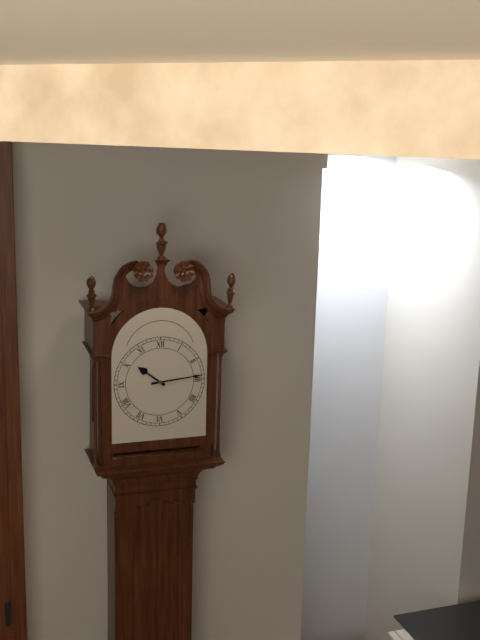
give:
10.14
